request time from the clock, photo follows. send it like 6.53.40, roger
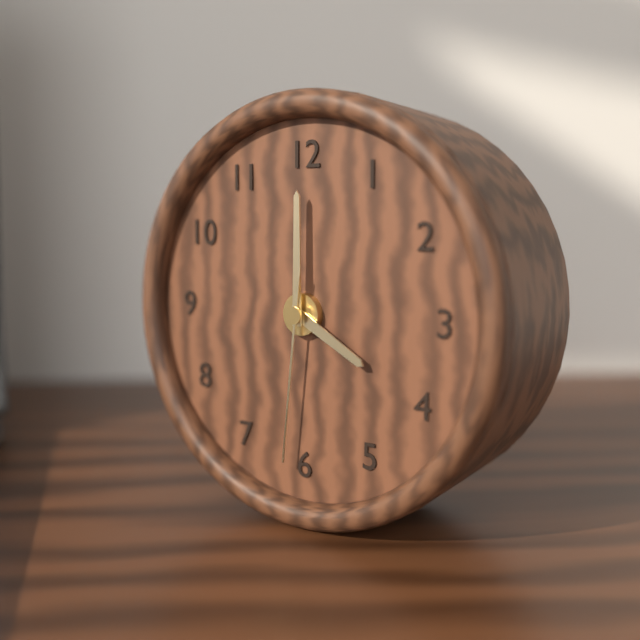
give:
4.00.31
